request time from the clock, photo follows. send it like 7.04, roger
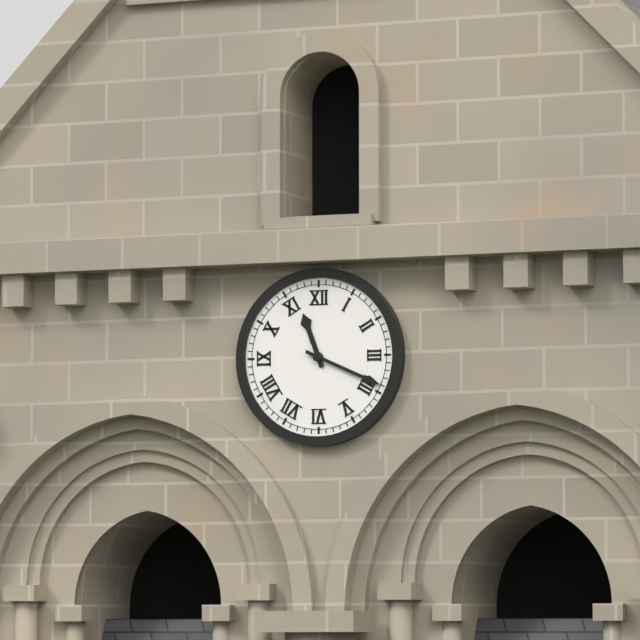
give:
11.19
